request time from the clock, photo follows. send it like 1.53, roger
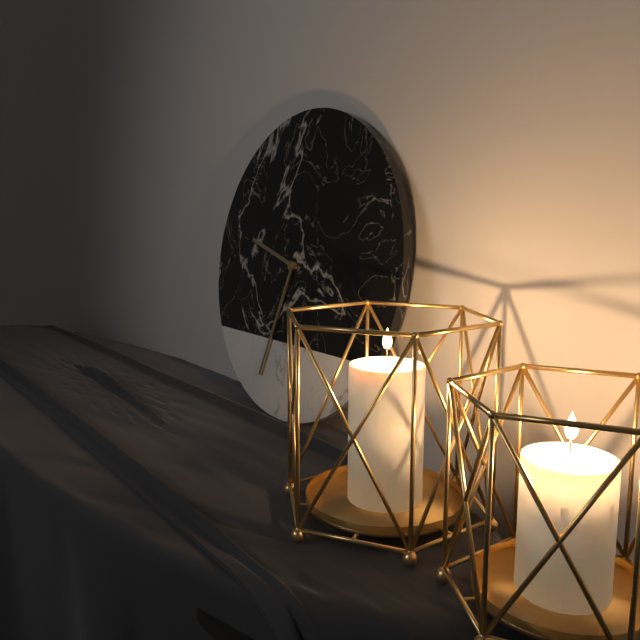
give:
9.33
